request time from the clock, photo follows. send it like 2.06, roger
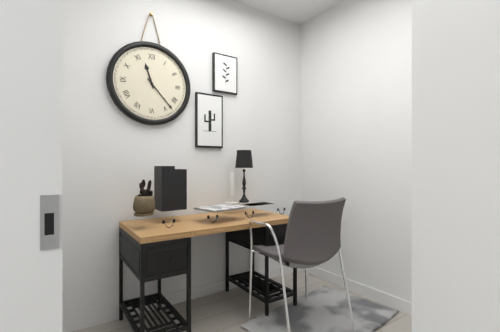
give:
11.23
